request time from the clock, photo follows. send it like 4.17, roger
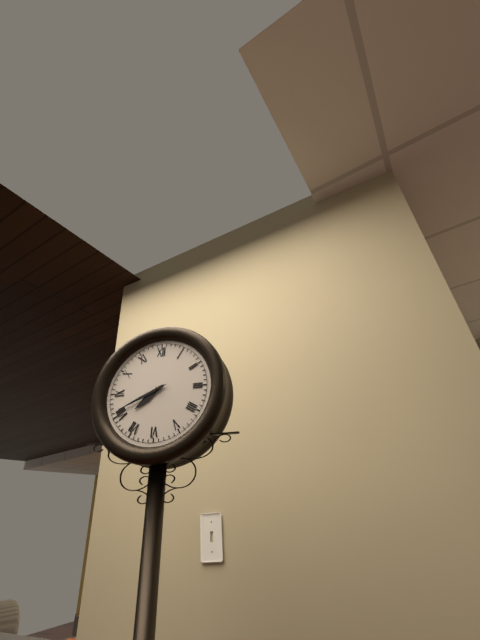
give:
7.41
